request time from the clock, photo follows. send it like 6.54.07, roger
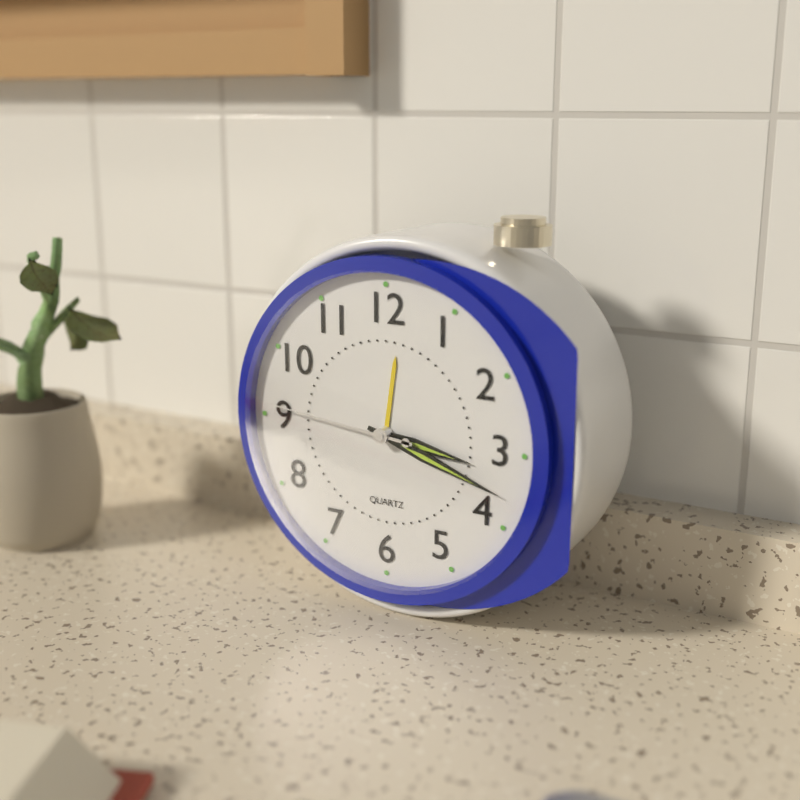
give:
3.18.46
